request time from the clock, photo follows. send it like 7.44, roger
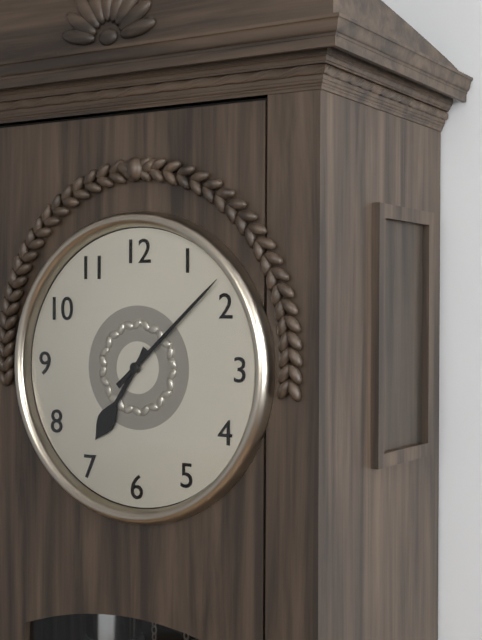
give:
7.08
